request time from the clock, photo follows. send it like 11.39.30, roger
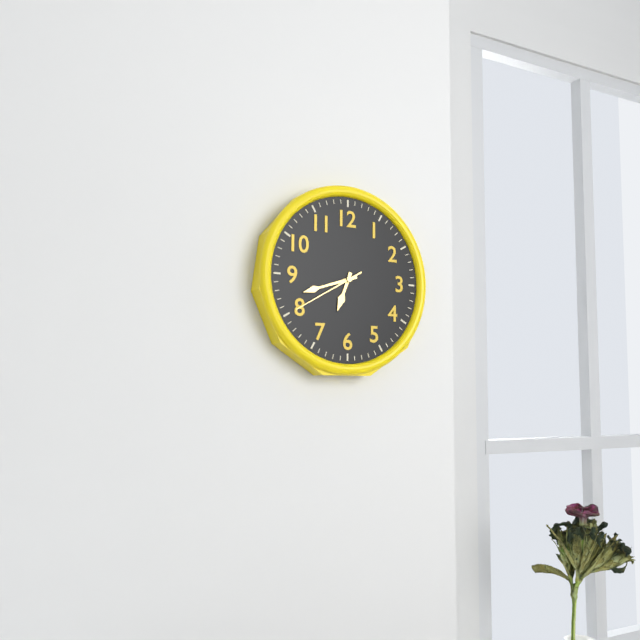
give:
6.42.40
